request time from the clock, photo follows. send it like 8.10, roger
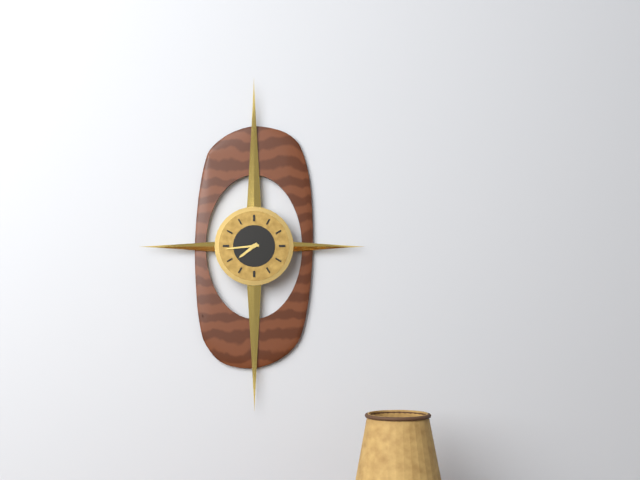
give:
7.44
